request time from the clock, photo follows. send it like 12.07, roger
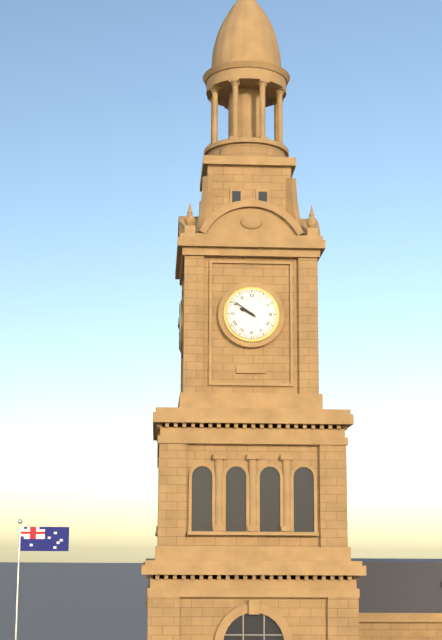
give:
9.51
